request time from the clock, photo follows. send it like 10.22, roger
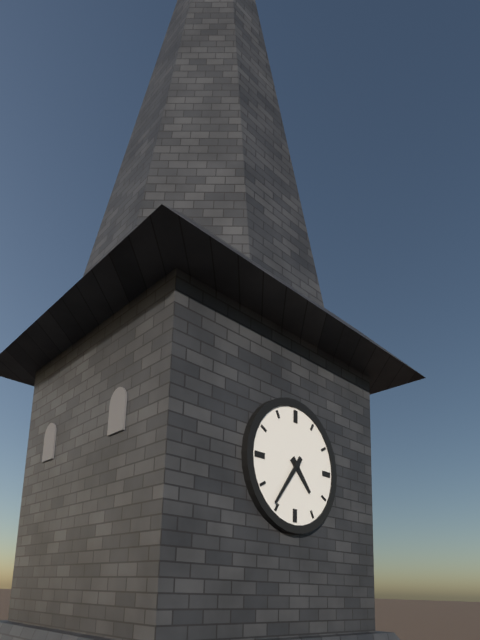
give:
4.36
